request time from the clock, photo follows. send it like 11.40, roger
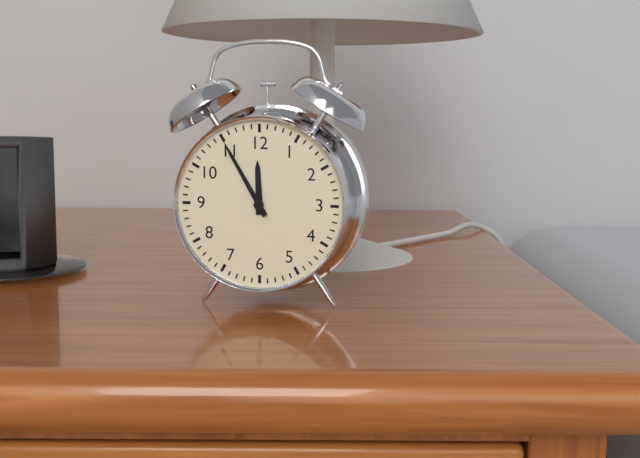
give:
11.55
